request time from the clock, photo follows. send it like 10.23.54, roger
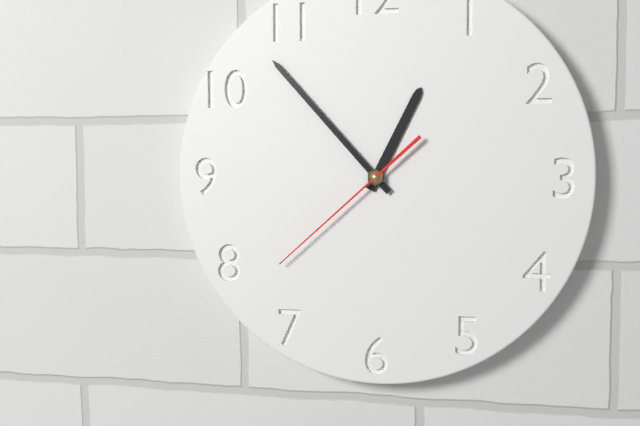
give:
12.53.38
